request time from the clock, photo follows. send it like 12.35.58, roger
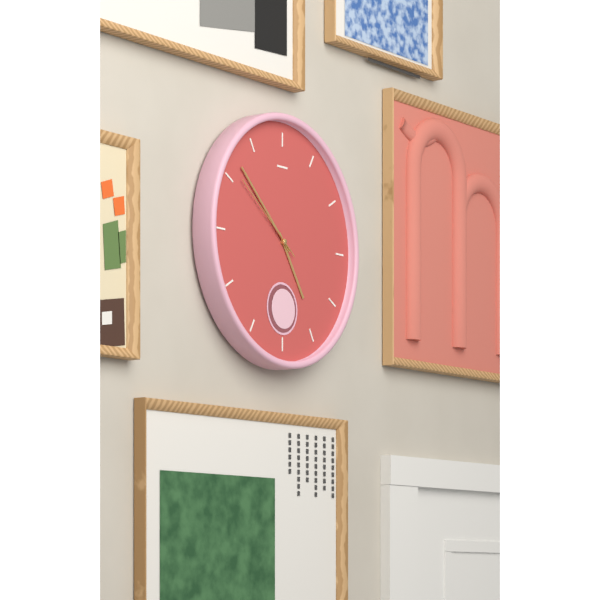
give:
4.52.51
